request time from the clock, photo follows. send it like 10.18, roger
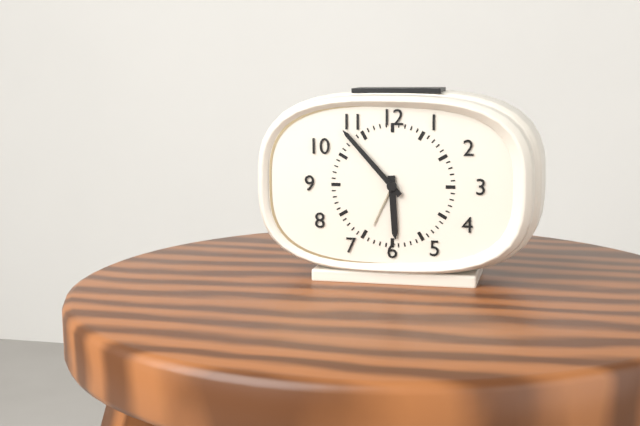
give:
5.53
